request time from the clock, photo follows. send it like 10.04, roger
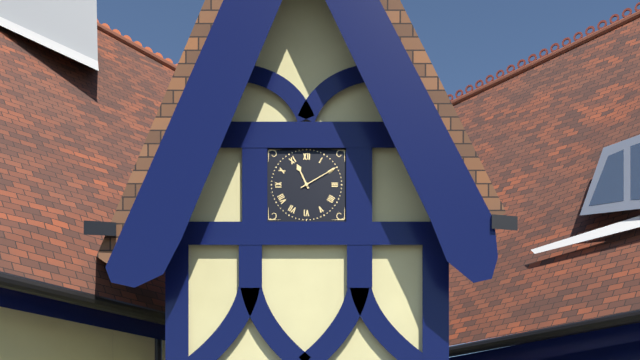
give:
11.10
